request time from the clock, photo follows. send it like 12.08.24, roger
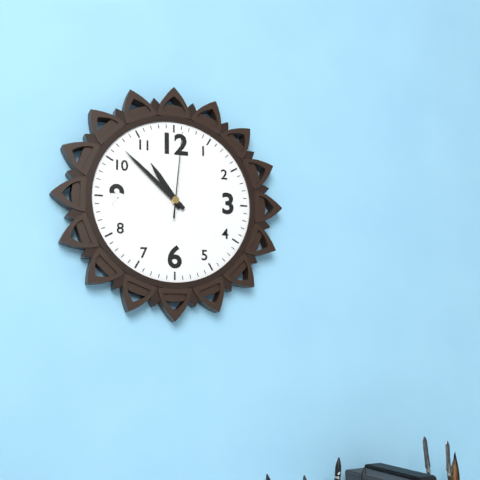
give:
10.52.01
